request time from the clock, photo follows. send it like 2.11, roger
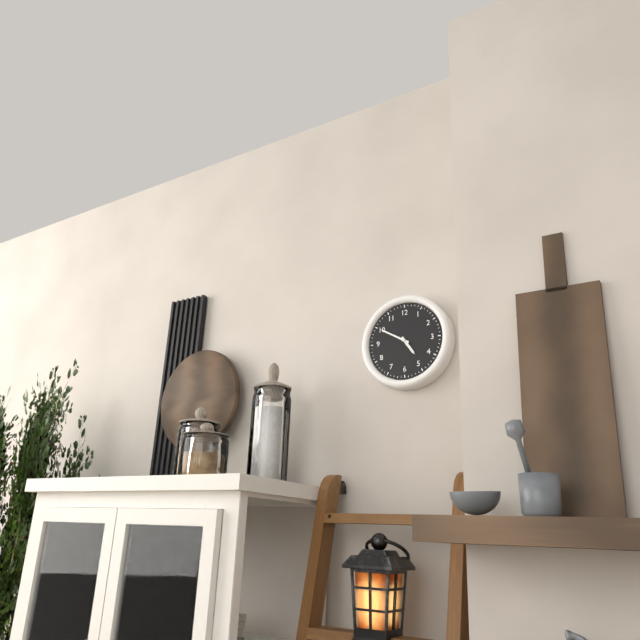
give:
4.50
